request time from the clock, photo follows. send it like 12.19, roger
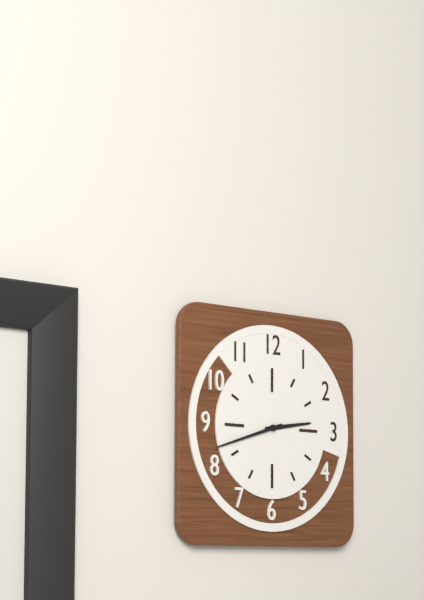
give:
2.42
